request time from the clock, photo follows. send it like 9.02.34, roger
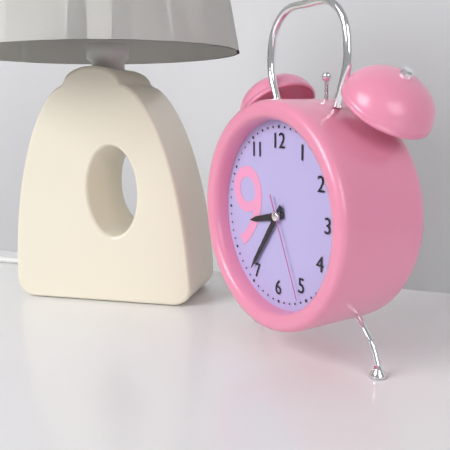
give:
8.36.26
